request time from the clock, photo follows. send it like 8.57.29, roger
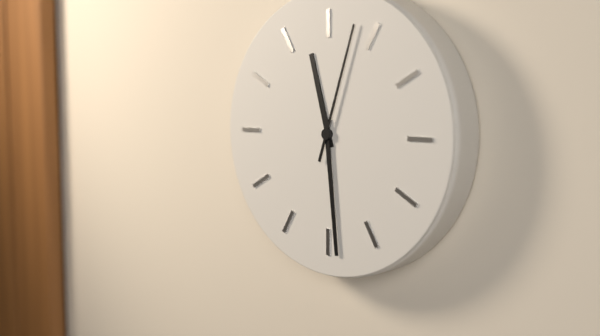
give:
11.29.03
